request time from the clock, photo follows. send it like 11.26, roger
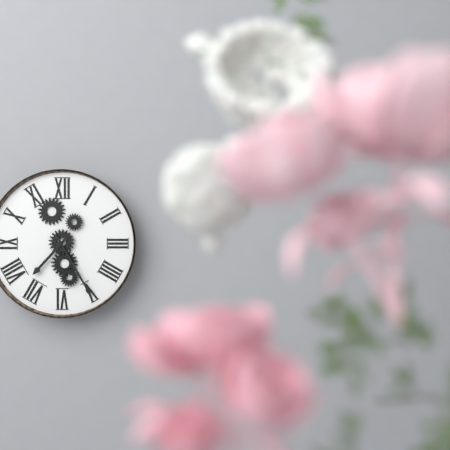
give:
7.25
